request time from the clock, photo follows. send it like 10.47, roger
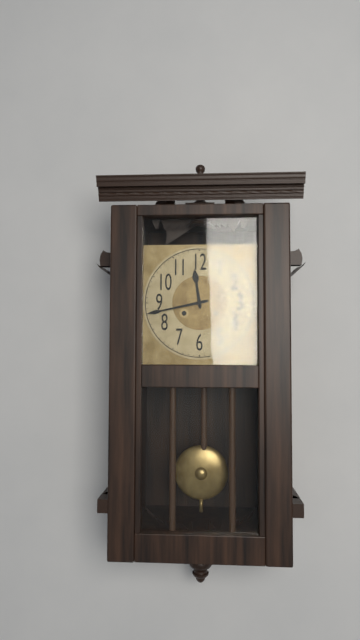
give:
11.43
